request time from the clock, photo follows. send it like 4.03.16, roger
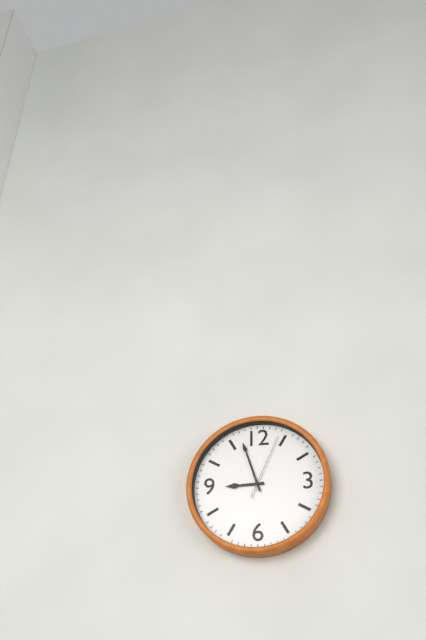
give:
8.57.04
